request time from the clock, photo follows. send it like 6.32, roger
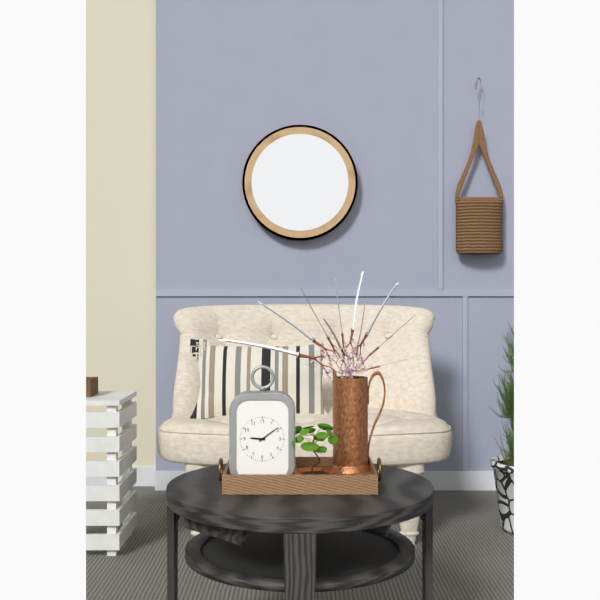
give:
9.09
